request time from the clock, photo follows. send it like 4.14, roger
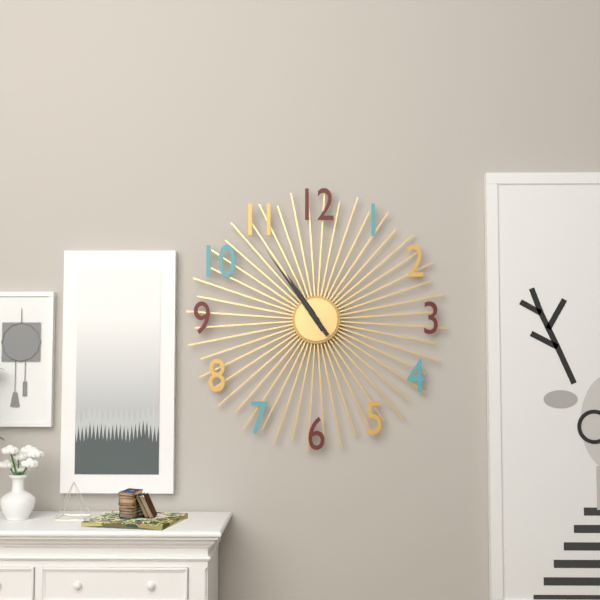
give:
10.54
